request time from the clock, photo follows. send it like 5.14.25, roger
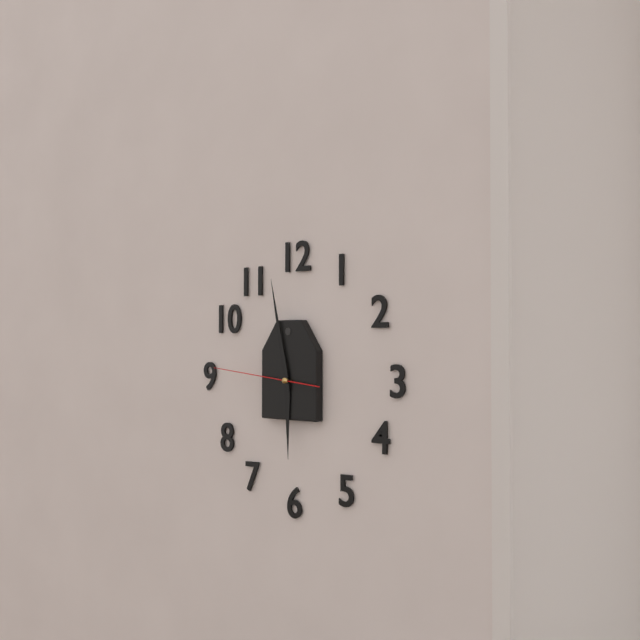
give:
5.58.46
